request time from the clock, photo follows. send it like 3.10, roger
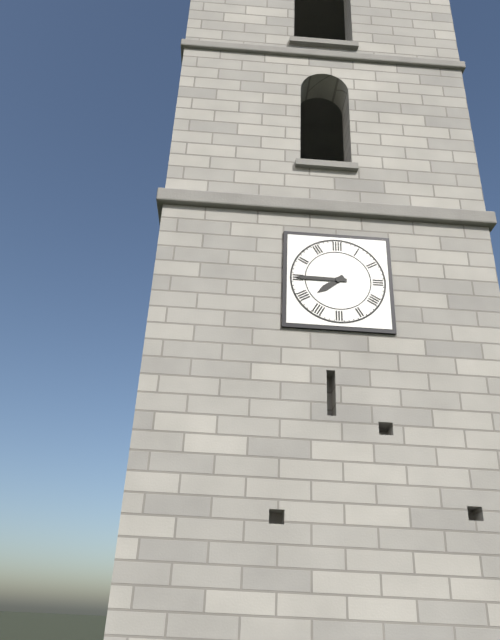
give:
7.45
